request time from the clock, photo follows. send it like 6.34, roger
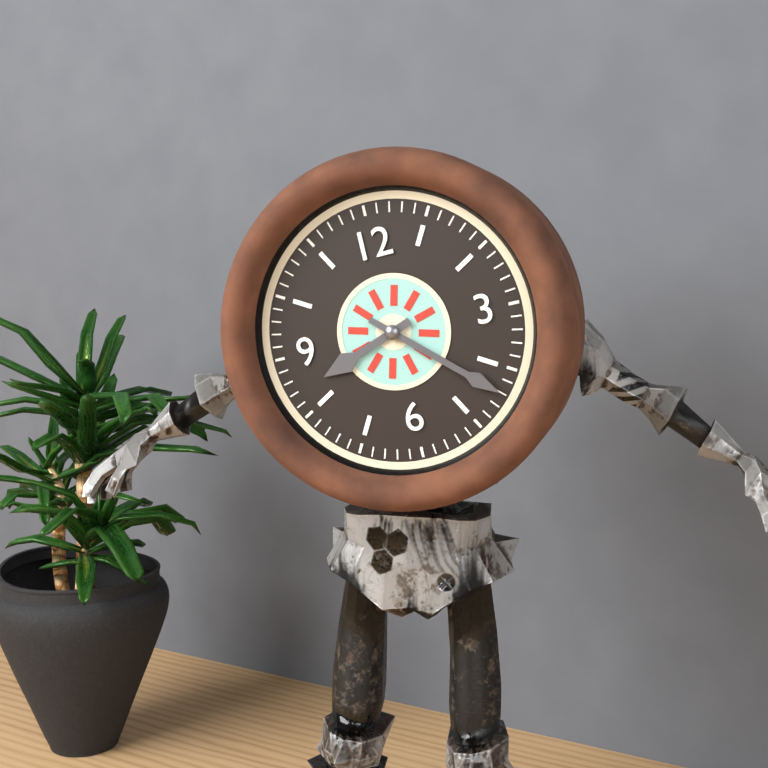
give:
8.22
